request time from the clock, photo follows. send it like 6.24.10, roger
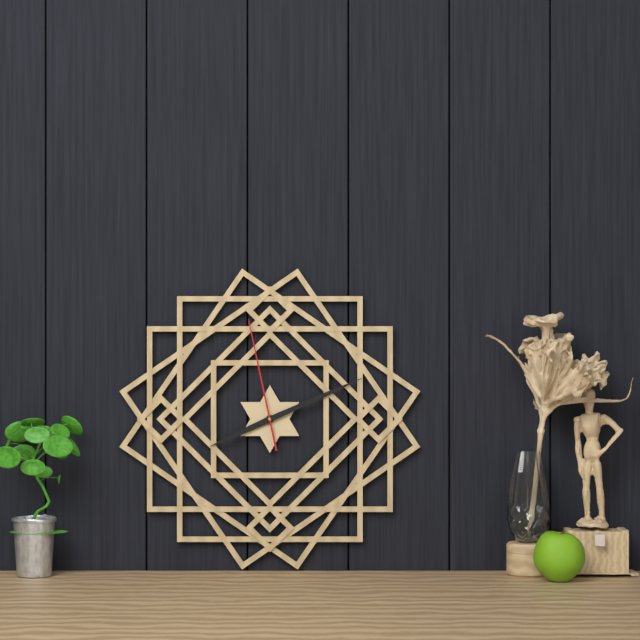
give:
8.11.58
